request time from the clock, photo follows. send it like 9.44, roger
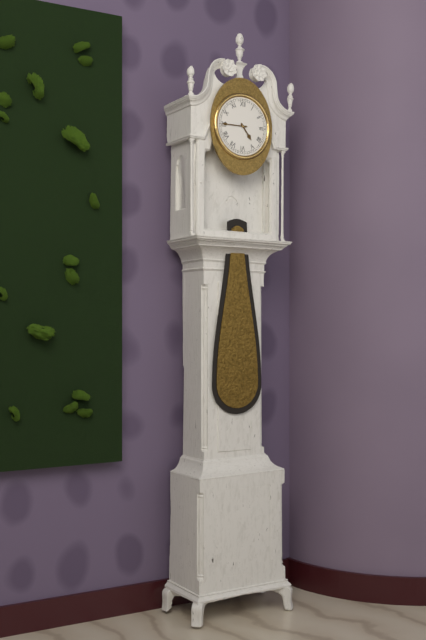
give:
4.45
